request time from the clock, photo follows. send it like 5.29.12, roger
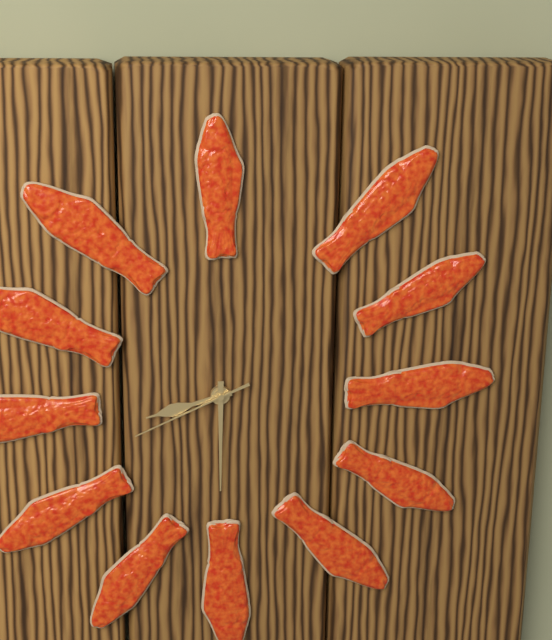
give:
8.30.41
